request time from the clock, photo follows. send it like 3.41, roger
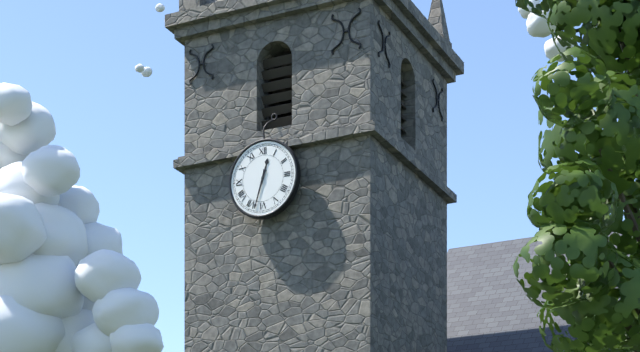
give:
12.33
